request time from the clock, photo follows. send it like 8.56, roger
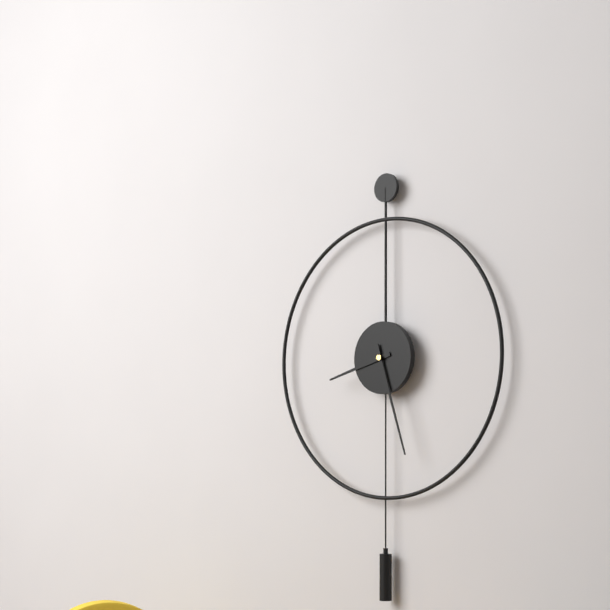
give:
8.27
